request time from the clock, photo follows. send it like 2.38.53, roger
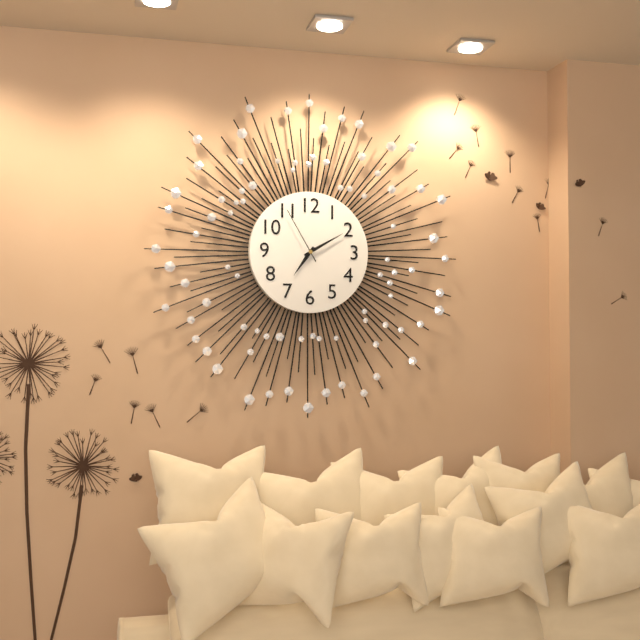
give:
7.10.55
